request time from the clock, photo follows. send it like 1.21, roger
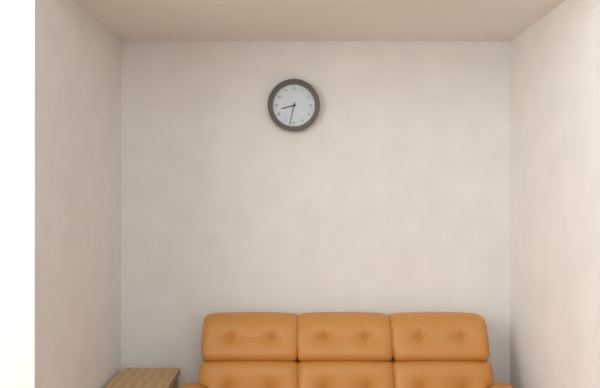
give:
8.32
